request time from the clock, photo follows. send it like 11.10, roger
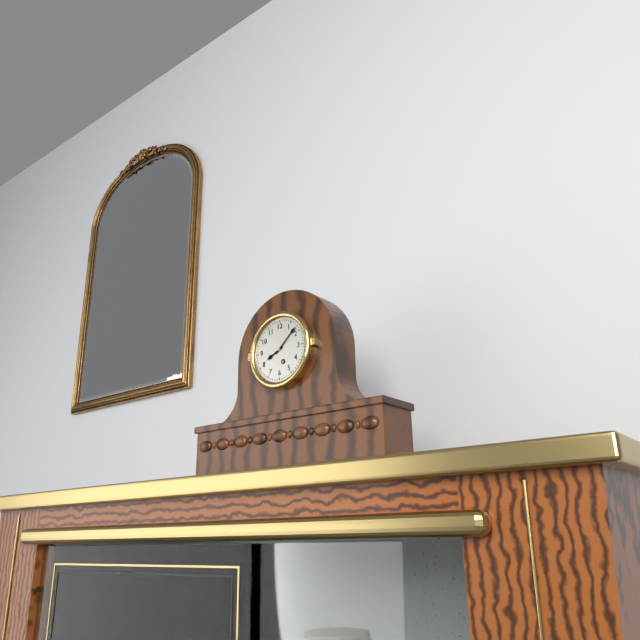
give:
8.08
